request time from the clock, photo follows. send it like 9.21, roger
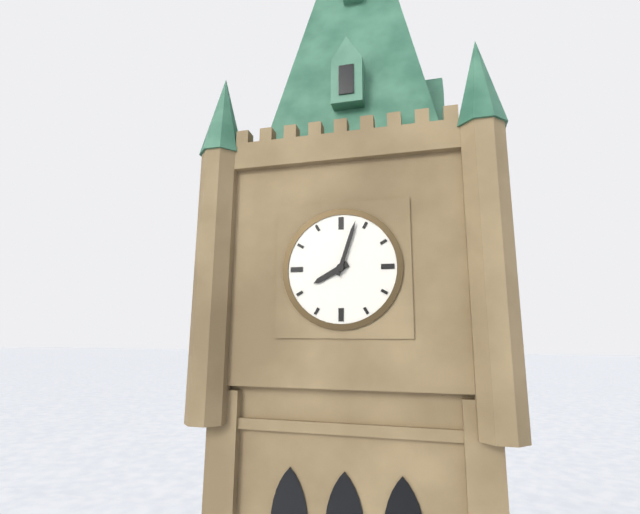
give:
8.03
